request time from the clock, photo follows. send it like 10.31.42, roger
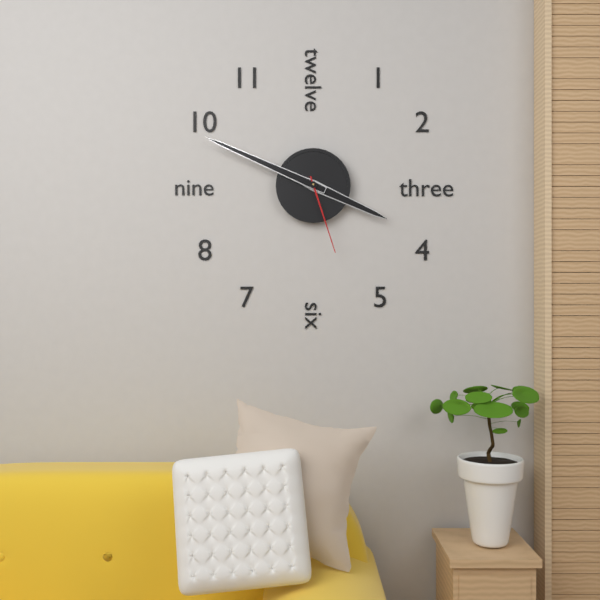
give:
3.49.27
